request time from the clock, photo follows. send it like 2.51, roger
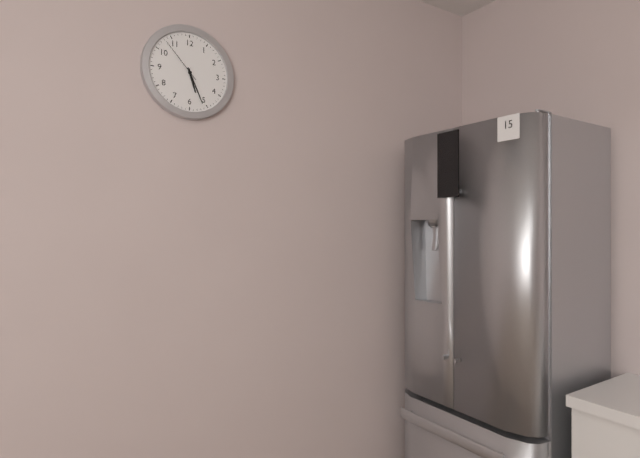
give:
5.26
